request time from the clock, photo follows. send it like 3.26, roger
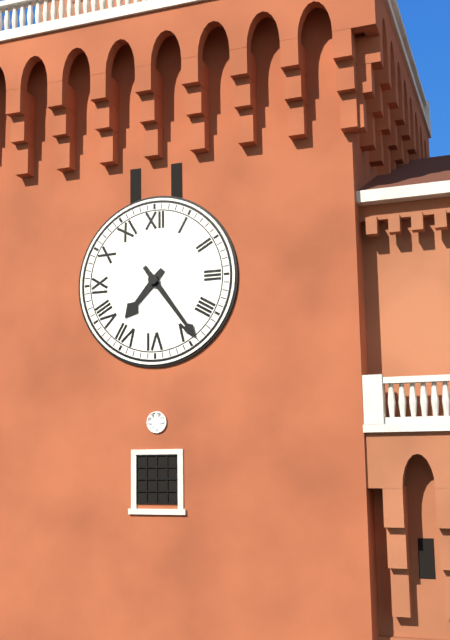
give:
7.24
